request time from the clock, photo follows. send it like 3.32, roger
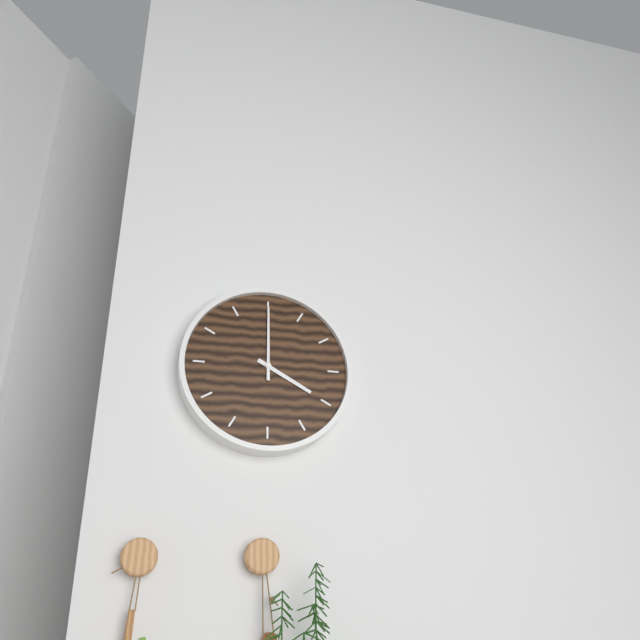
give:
4.00
